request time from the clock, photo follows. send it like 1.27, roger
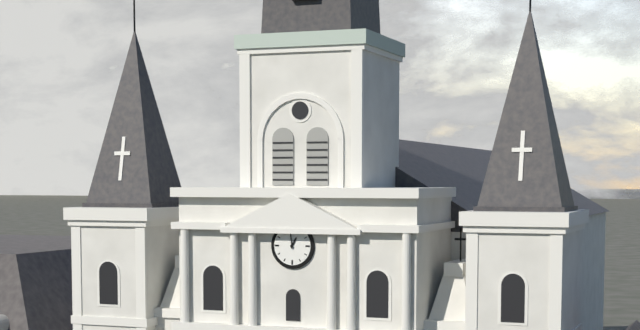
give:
12.59
